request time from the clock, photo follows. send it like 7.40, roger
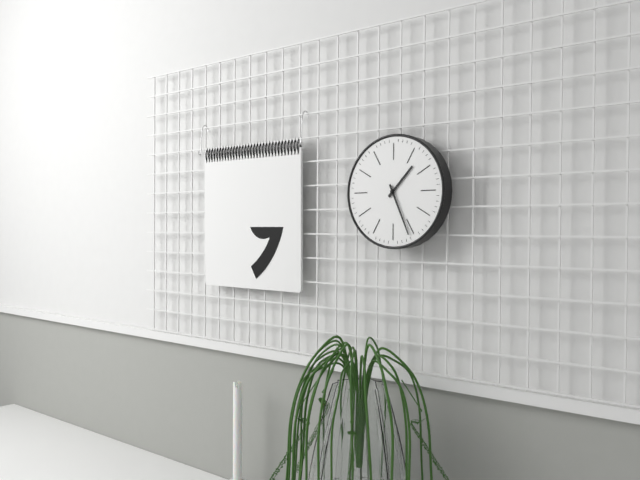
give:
1.26
